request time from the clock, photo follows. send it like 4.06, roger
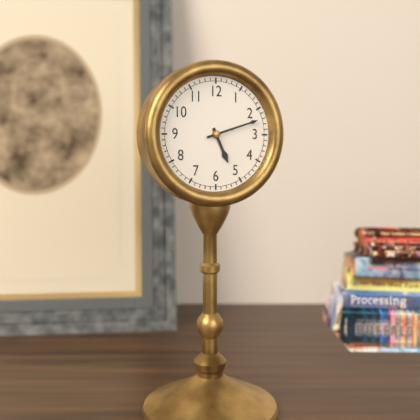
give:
5.12
